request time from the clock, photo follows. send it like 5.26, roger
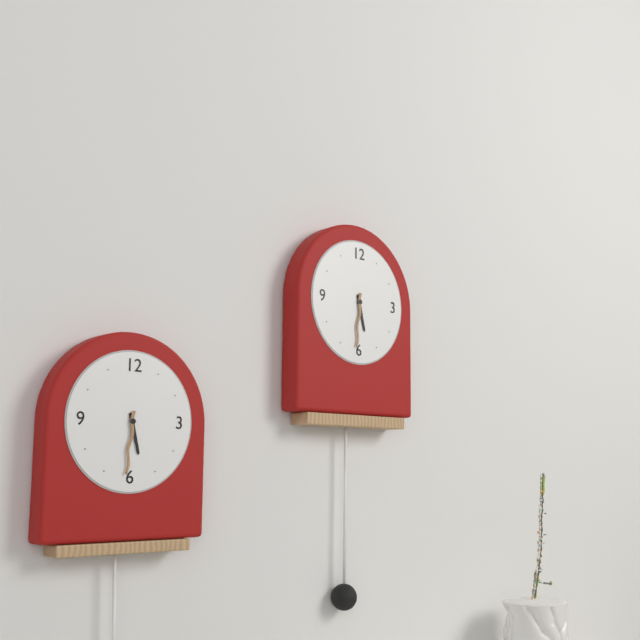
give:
5.31
